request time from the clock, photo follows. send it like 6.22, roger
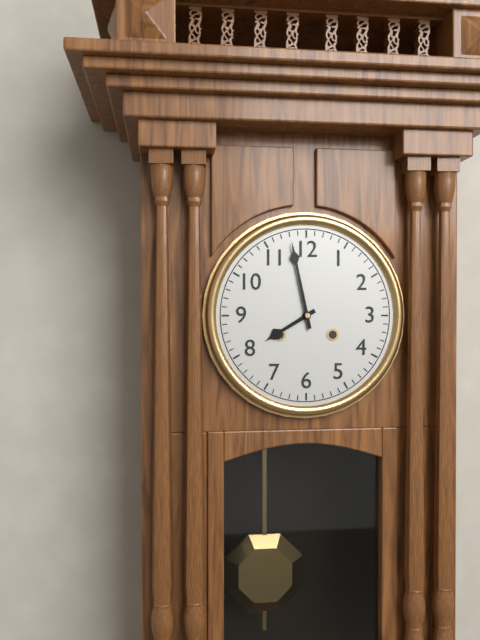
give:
7.58
